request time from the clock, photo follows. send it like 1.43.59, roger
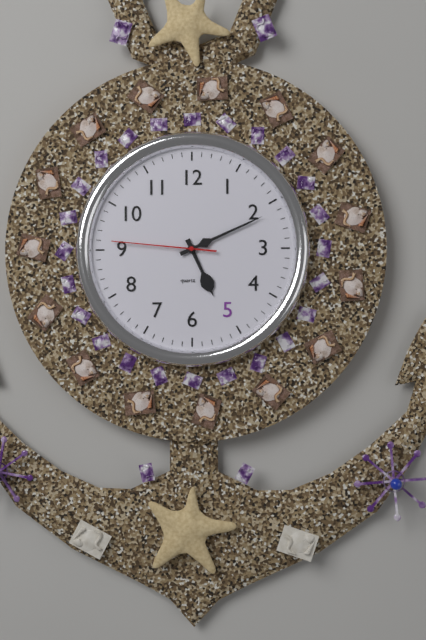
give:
5.11.46
